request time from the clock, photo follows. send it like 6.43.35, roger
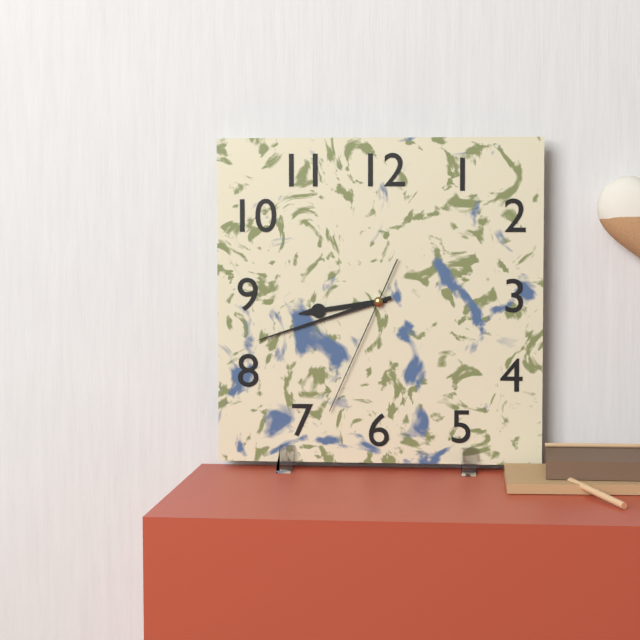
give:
8.42.34
